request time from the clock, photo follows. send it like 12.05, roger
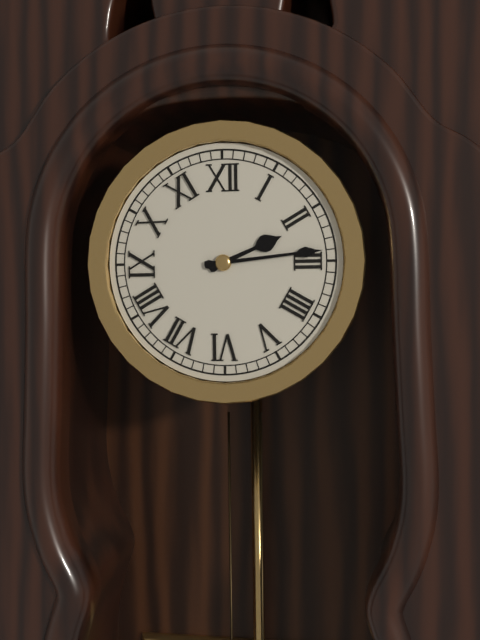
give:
2.14
